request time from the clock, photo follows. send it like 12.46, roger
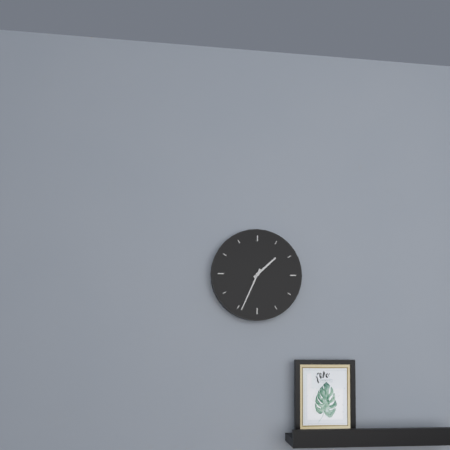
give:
1.34
